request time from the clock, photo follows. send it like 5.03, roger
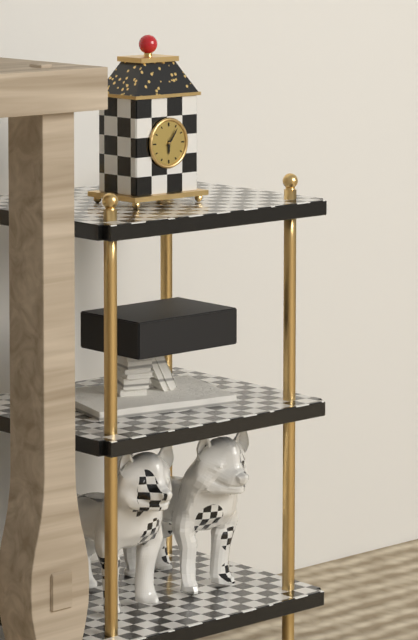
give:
6.06
